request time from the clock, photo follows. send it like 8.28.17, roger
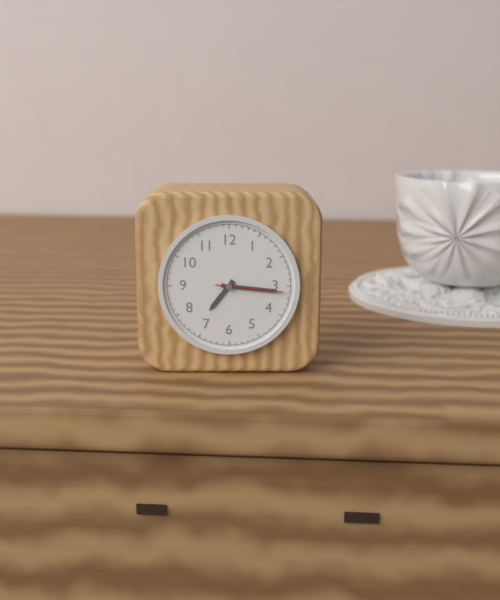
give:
7.16.16
